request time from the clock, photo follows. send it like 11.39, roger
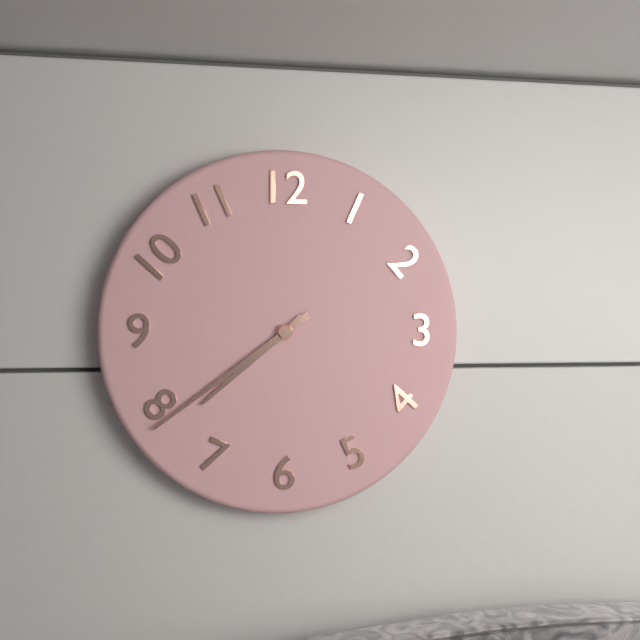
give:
7.39
